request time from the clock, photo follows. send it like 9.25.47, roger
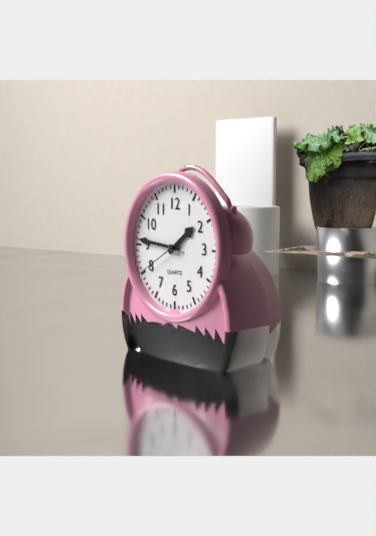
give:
1.46.40
